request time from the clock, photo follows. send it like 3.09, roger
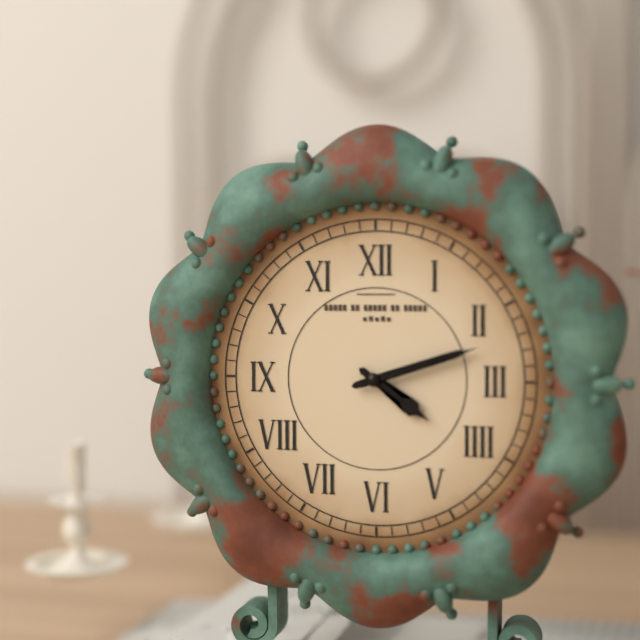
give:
4.12
